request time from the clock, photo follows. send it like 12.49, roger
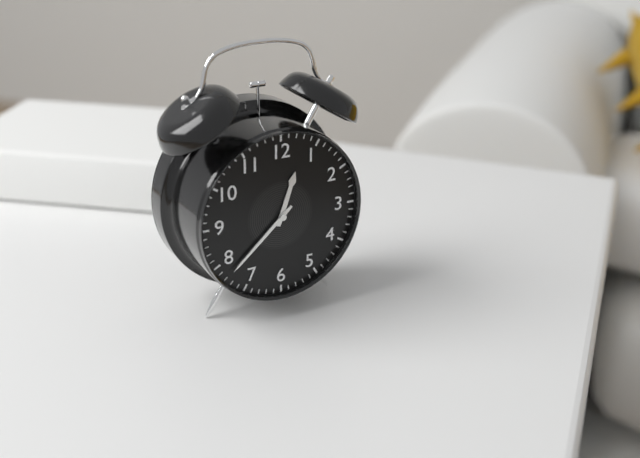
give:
12.38
